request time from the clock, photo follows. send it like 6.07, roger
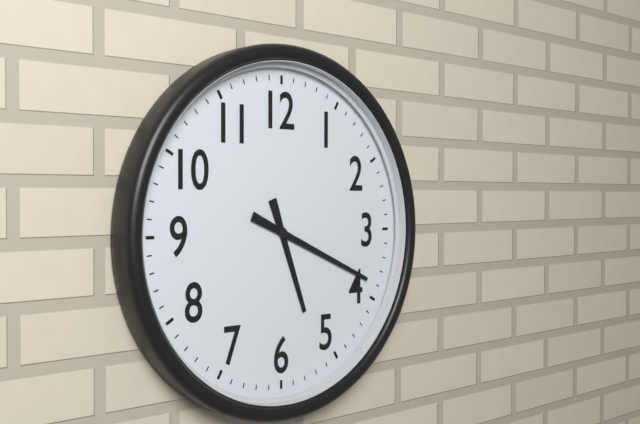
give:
5.19
